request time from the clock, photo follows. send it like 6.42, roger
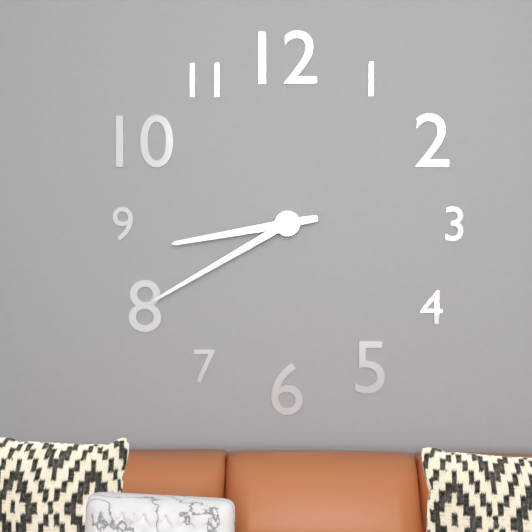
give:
8.40
